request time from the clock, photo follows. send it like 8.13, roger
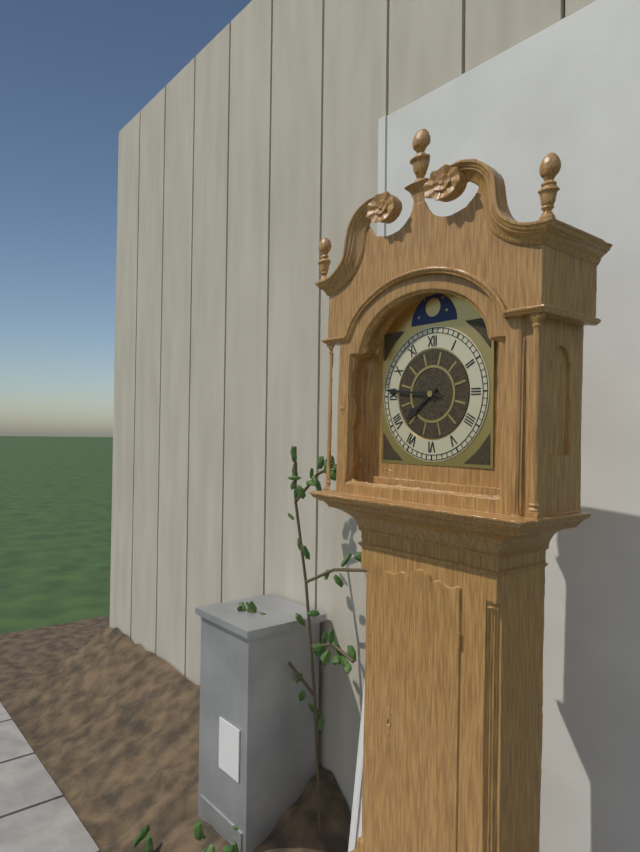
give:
7.46
